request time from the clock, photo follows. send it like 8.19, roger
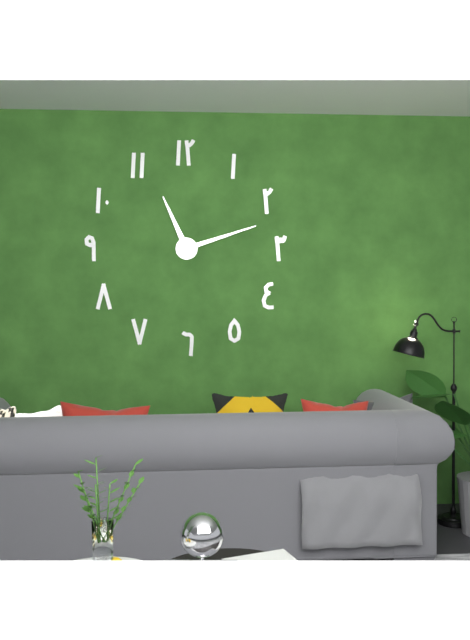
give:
11.12
